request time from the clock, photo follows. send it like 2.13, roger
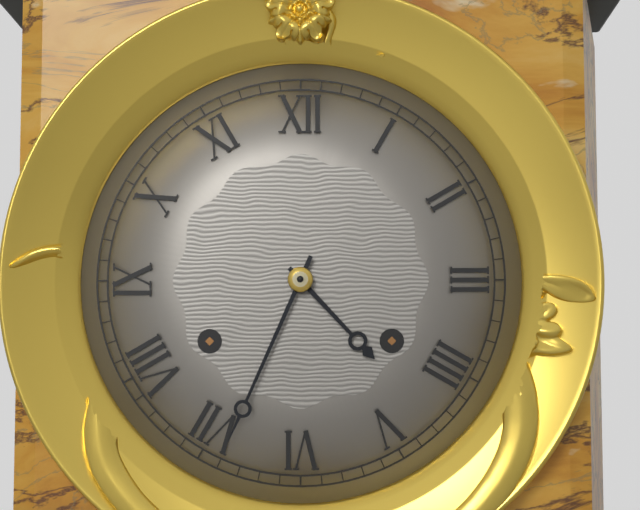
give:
4.34
